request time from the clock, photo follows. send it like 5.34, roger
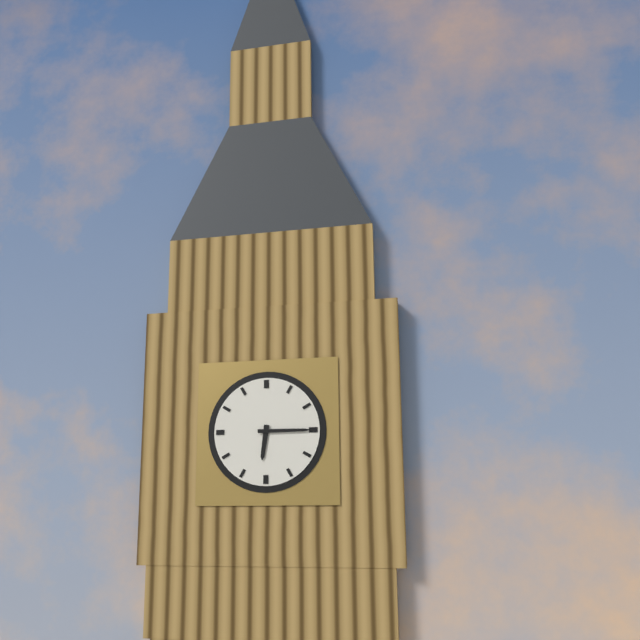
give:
6.15
